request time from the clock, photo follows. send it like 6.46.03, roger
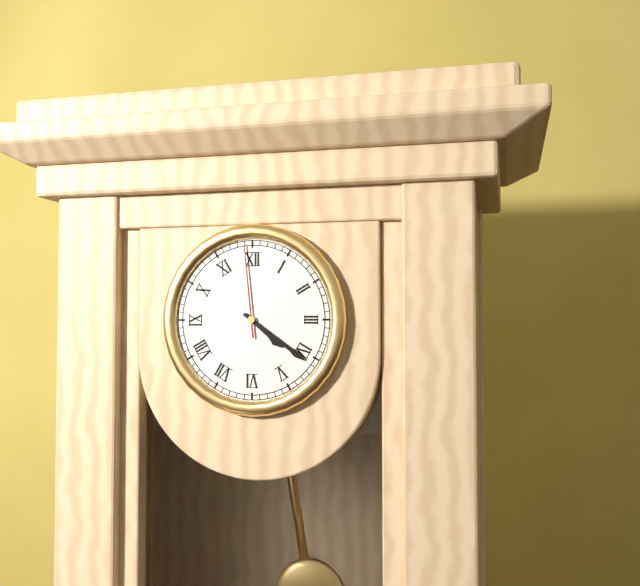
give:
4.21.59
